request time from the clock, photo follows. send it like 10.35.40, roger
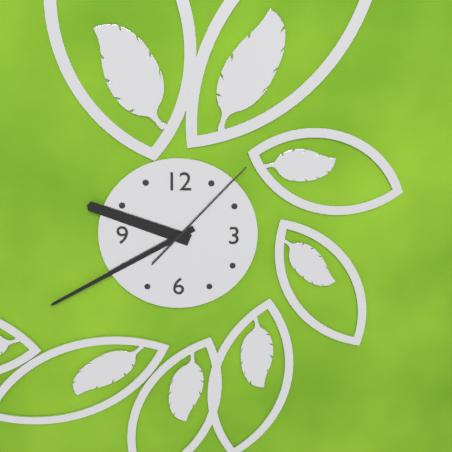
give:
9.40.07
